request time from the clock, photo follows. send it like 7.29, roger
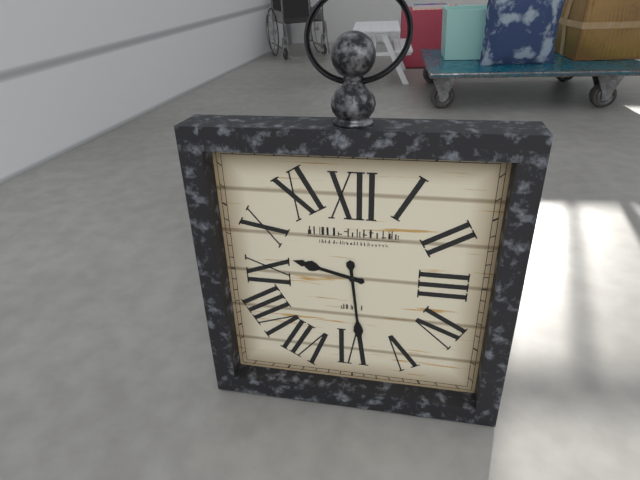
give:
9.29
